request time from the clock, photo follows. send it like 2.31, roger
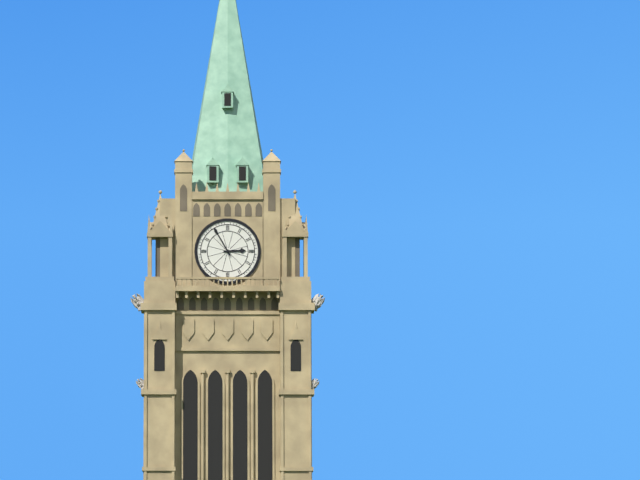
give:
2.55
